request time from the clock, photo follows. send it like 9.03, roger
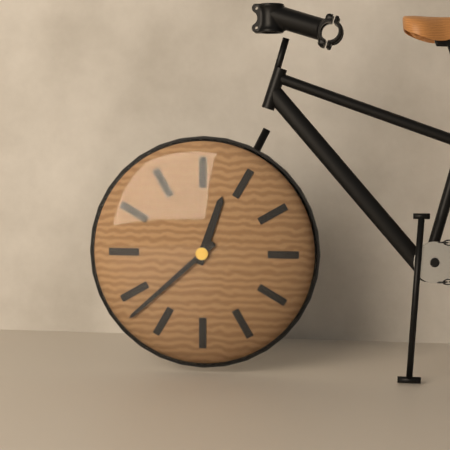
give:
12.38
